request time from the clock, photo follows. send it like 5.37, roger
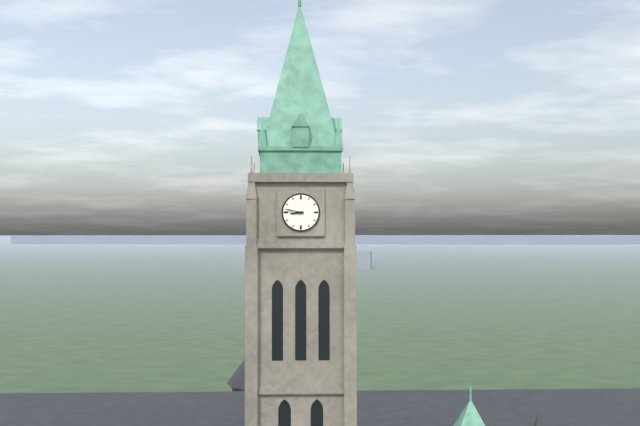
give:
8.47
